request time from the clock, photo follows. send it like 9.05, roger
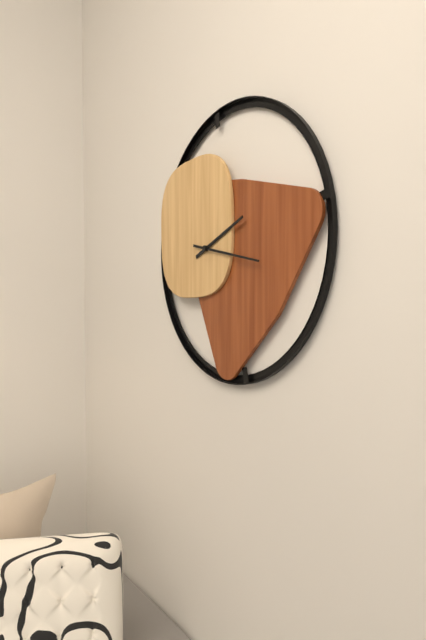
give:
2.17
